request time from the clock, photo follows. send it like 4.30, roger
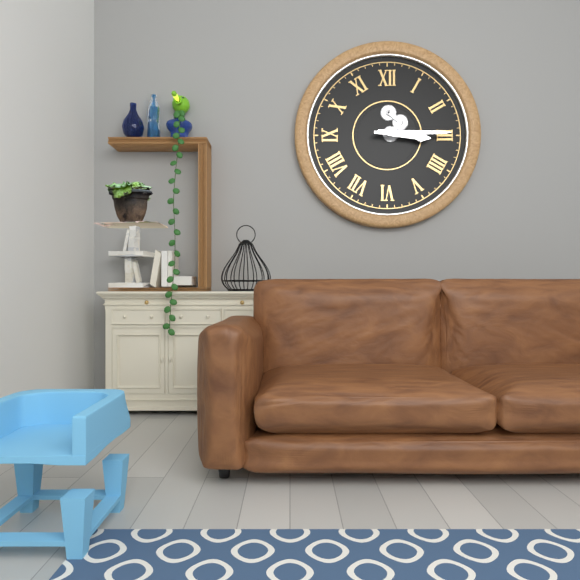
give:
3.15
